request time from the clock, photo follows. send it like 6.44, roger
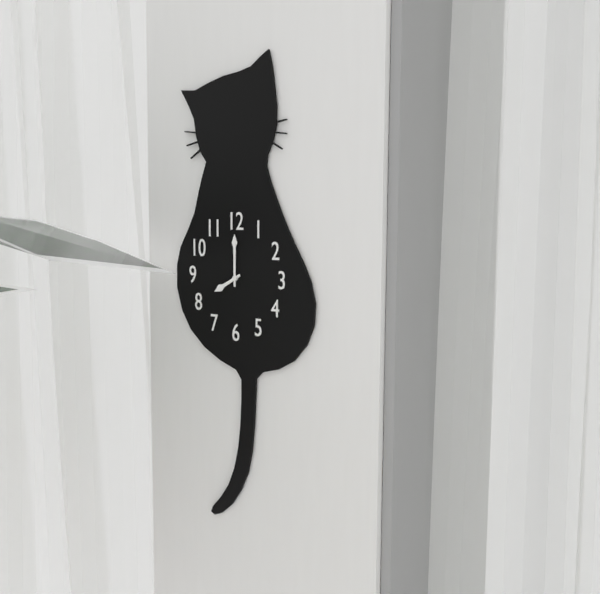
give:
8.00
